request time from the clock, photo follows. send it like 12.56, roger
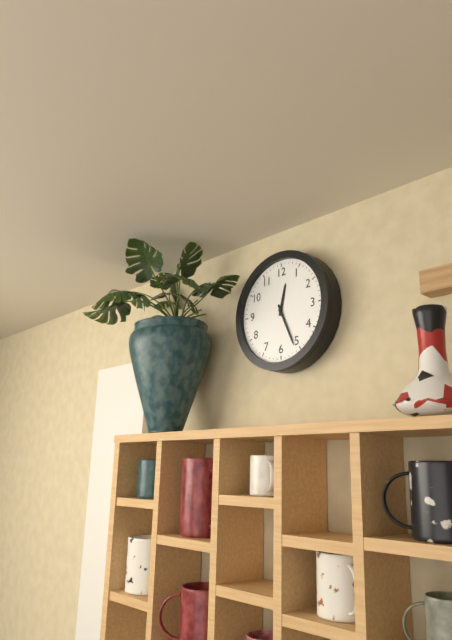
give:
12.26
